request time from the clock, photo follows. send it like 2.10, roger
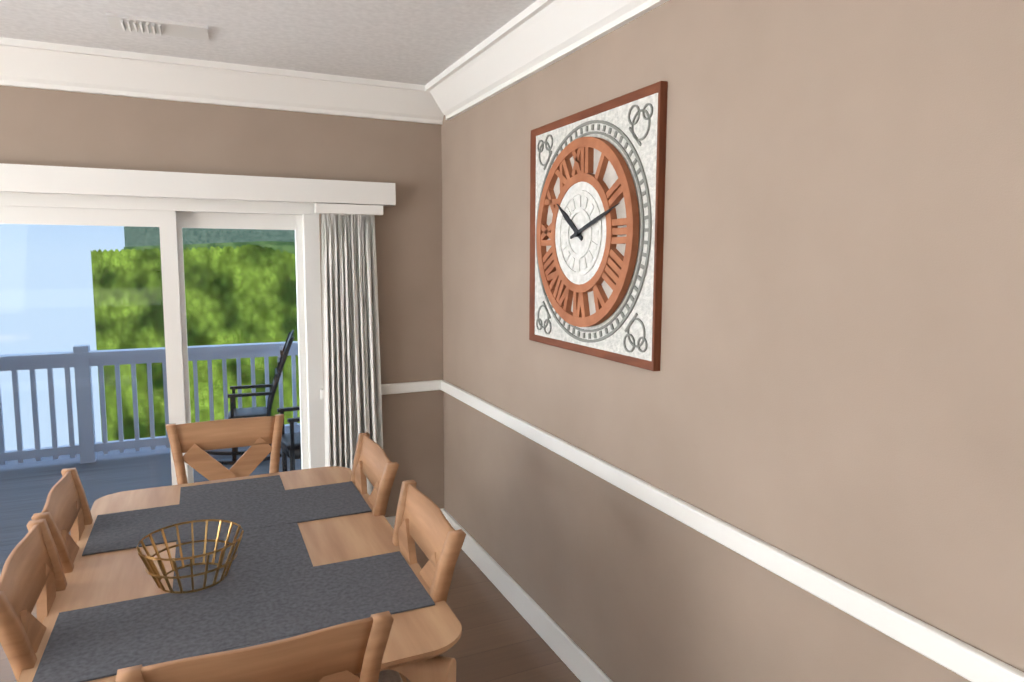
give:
10.12
